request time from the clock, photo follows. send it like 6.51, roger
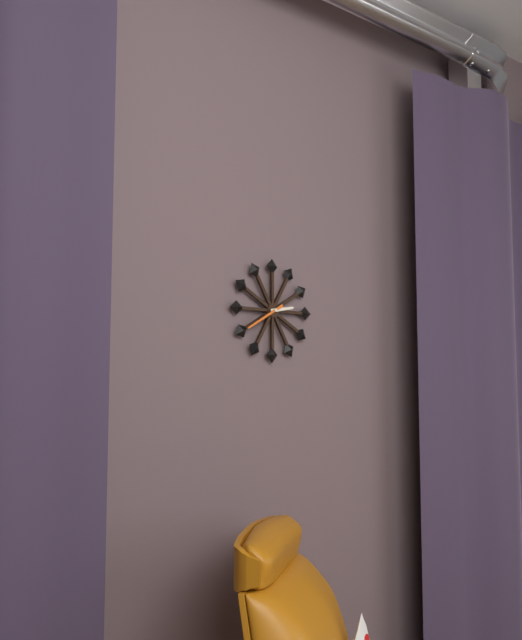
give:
2.40
